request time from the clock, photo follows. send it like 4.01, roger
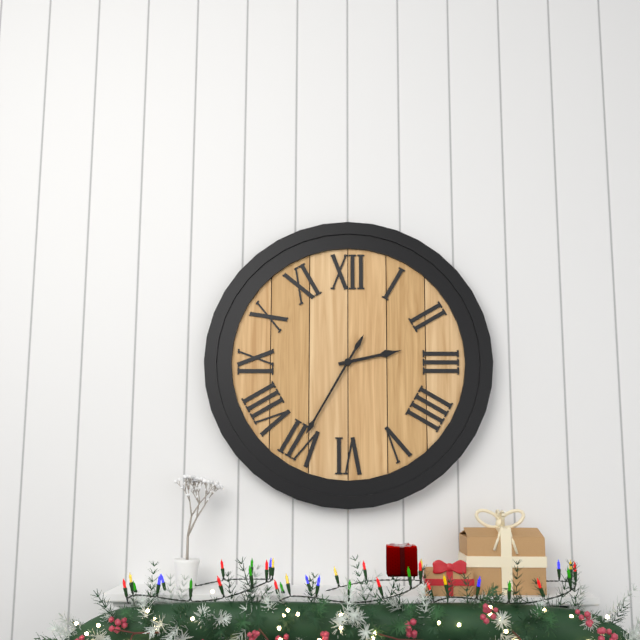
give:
2.35
